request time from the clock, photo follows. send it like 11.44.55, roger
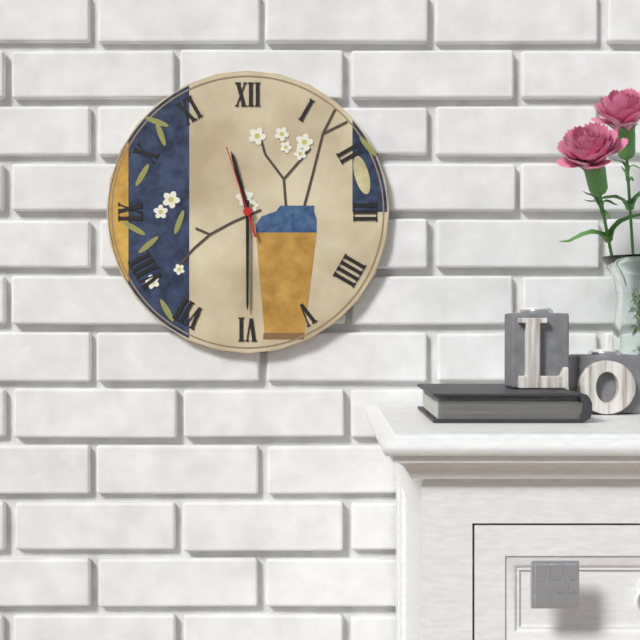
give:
11.30.57
